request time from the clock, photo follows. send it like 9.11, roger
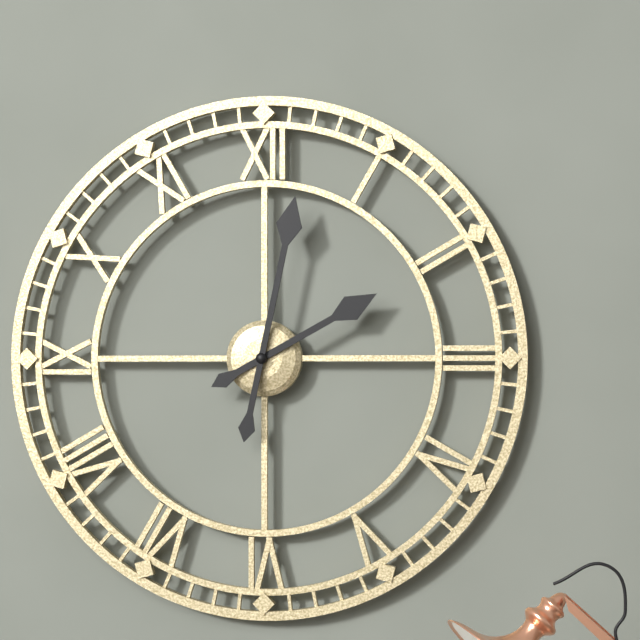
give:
2.02
